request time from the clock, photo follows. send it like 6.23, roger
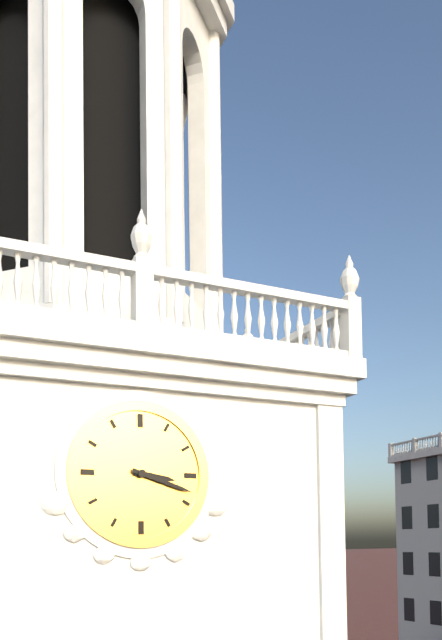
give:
3.18
